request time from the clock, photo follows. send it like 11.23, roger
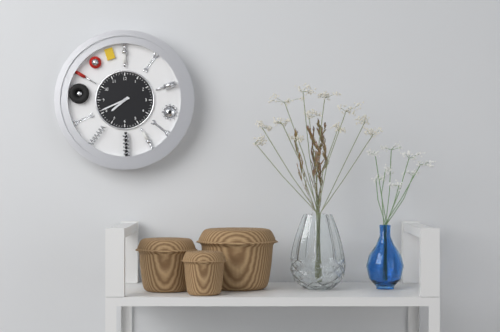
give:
7.41
